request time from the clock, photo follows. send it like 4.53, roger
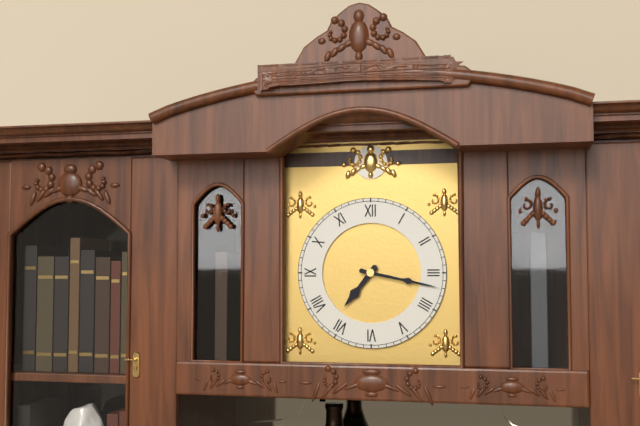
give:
7.17
